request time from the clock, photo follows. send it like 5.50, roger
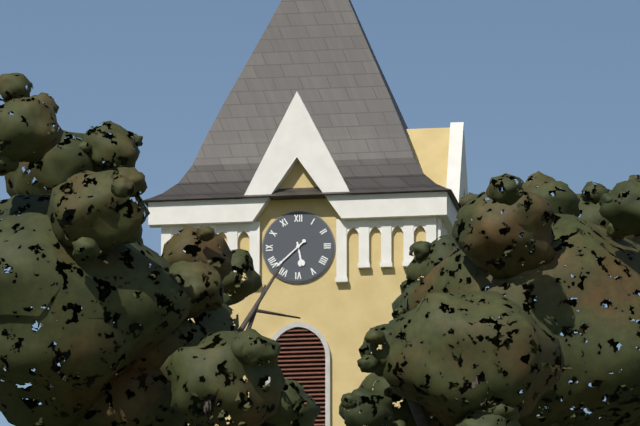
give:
5.38
